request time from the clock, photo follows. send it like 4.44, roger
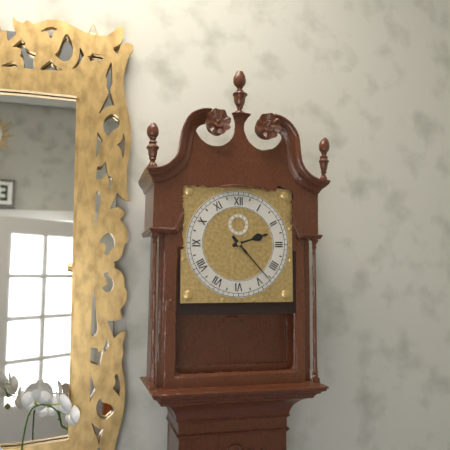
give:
2.23
